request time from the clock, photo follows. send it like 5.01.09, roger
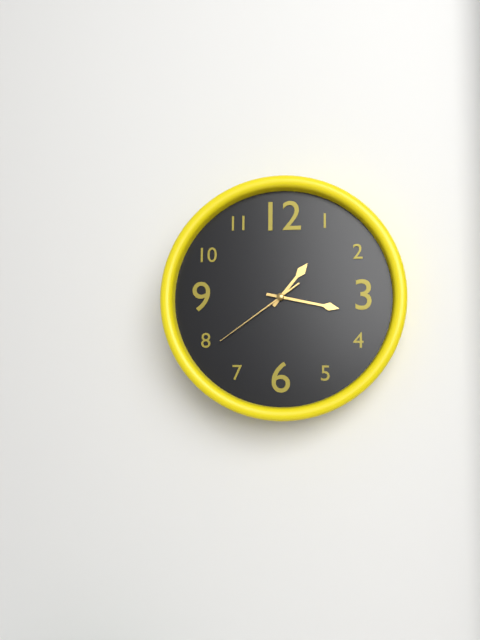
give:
1.17.39
